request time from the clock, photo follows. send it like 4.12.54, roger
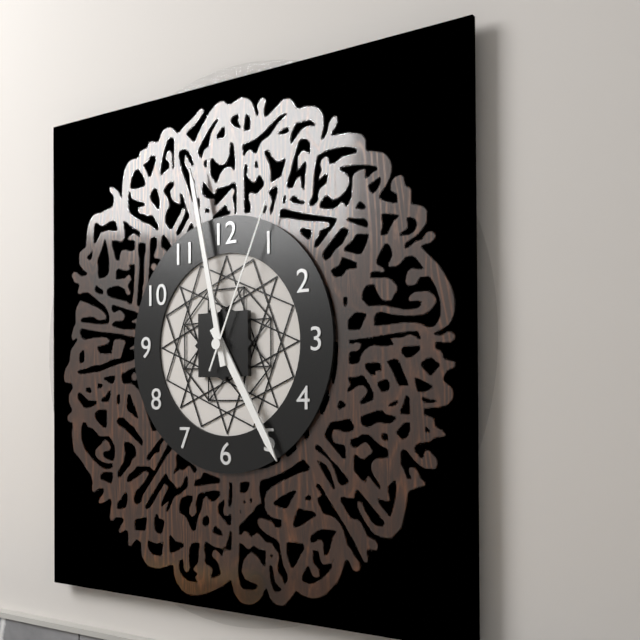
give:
4.58.04
